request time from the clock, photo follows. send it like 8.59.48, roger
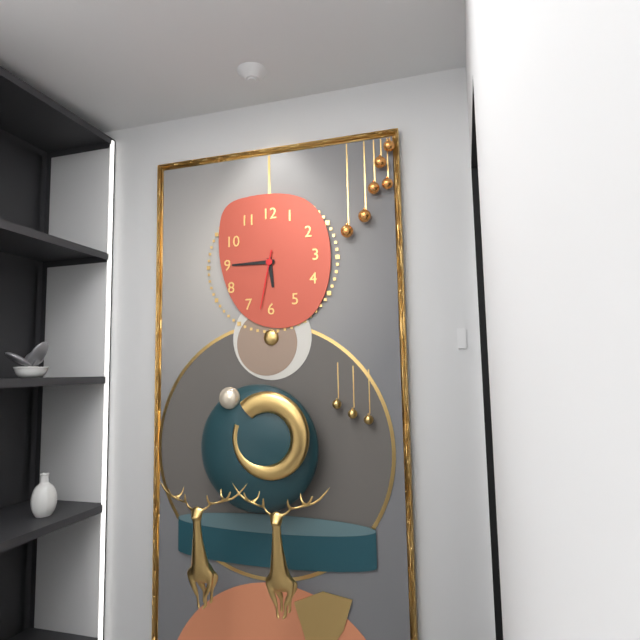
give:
5.45.32
